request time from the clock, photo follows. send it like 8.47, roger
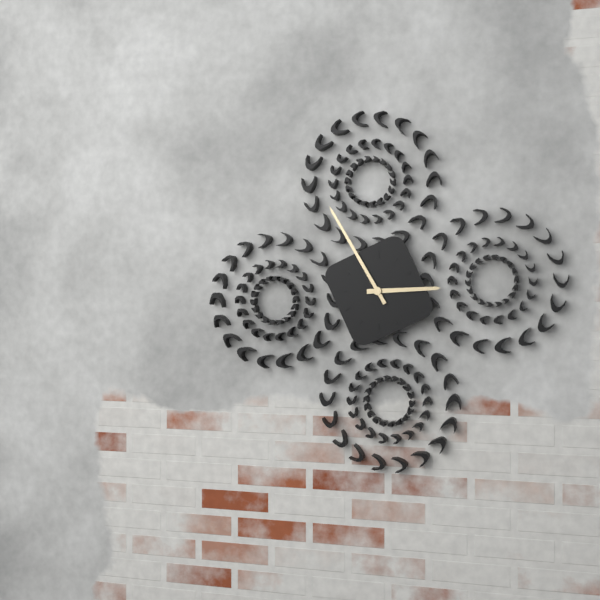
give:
2.55
